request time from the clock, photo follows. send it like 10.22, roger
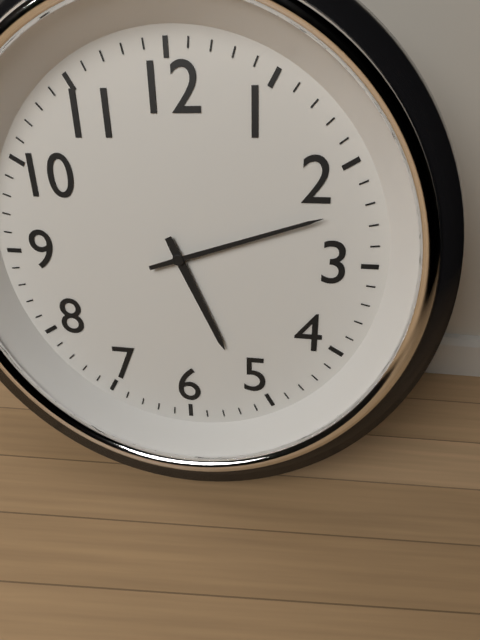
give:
5.12
